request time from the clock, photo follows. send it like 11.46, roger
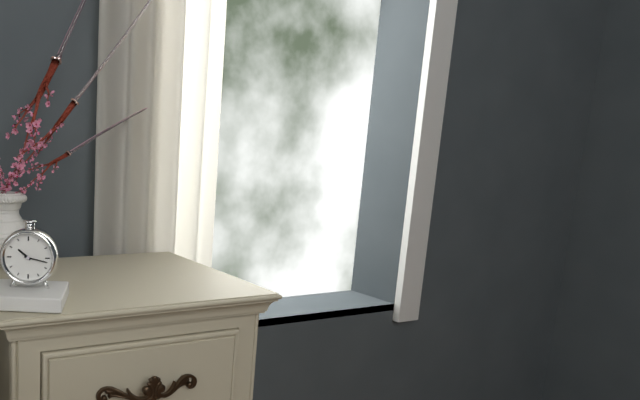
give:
10.17
